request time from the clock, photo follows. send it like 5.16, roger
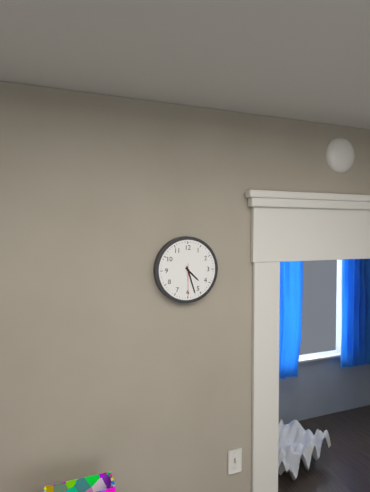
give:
4.27
